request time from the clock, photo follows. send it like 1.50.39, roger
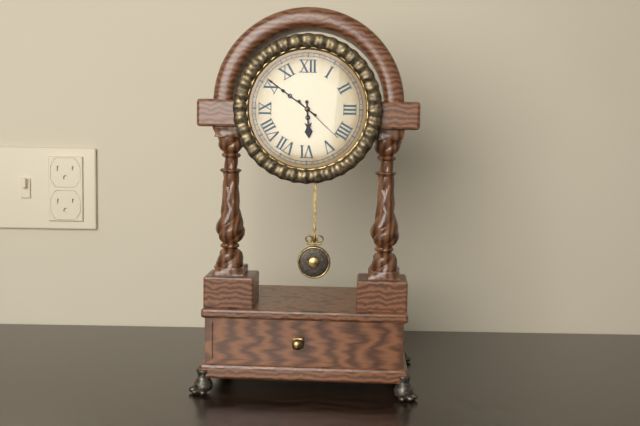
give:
5.51.22
